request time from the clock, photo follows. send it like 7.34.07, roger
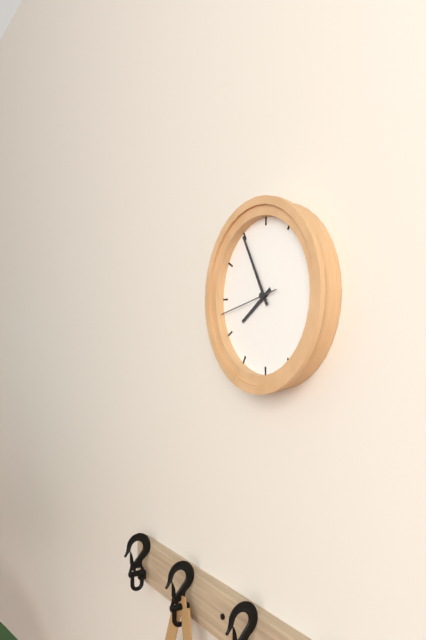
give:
7.55.43
